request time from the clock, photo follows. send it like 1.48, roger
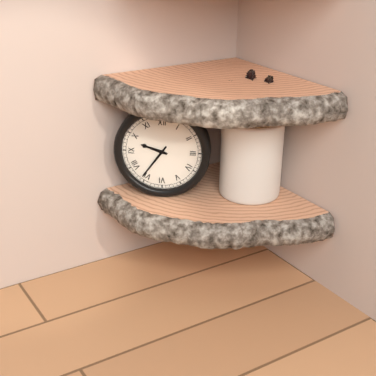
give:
9.36
